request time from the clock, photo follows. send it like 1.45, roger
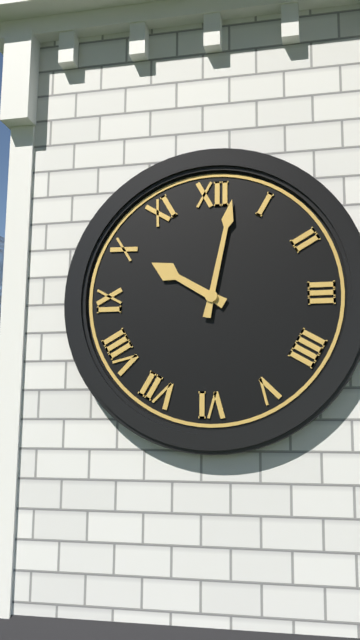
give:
10.02
